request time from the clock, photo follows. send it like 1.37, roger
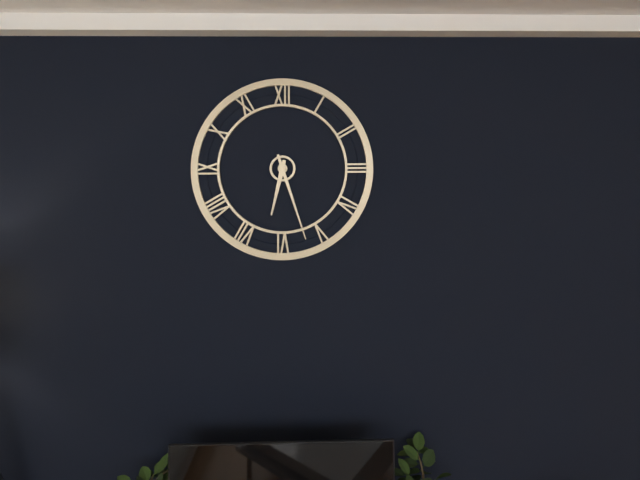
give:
6.27
